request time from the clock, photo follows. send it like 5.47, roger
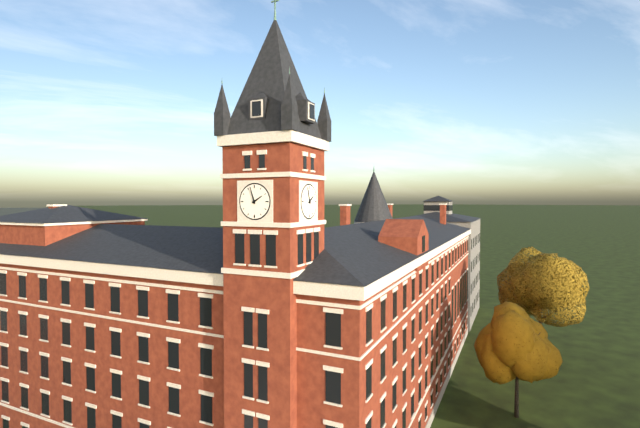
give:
1.57
